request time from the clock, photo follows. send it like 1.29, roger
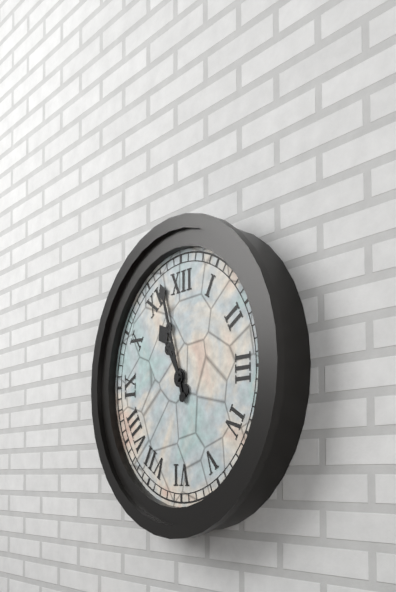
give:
10.57
